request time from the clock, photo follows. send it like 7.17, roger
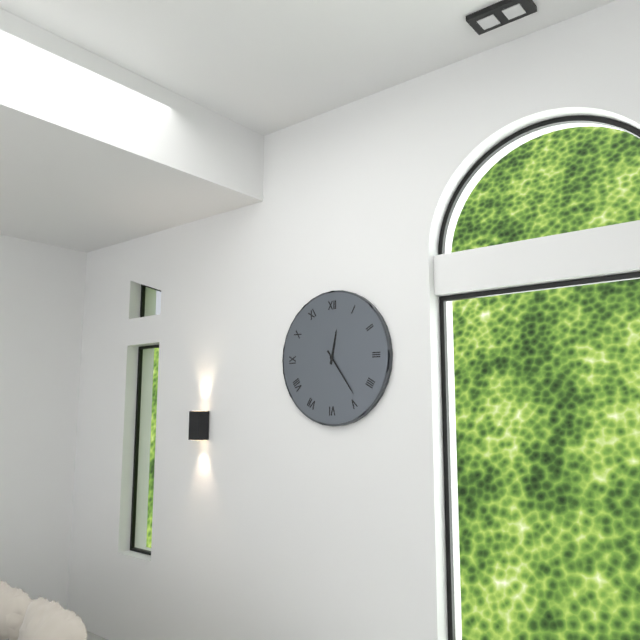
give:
12.24
